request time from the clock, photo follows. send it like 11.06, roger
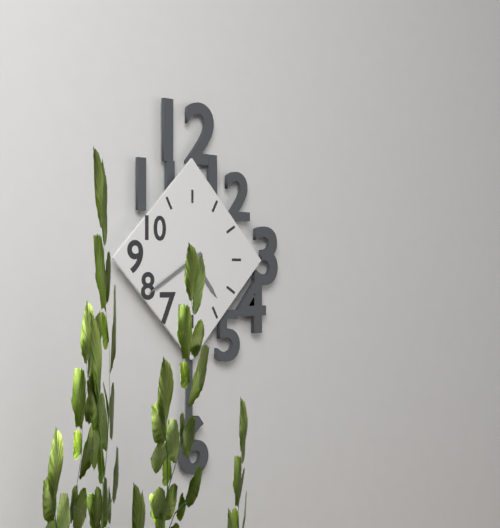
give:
4.40
